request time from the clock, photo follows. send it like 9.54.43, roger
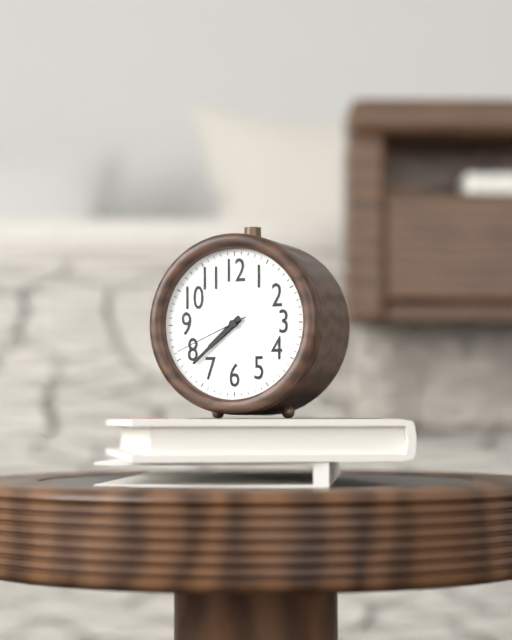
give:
7.38.41
